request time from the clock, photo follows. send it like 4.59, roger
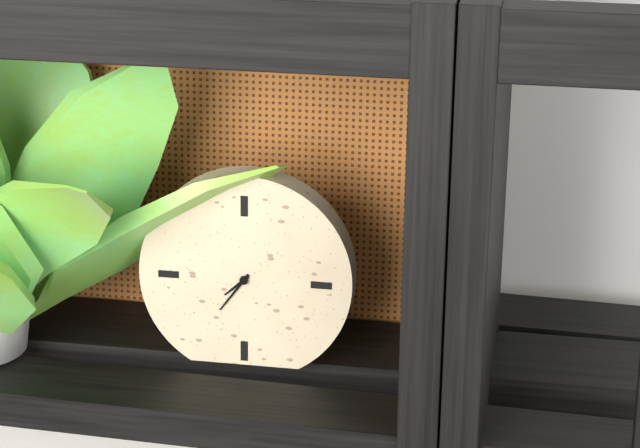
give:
7.36
